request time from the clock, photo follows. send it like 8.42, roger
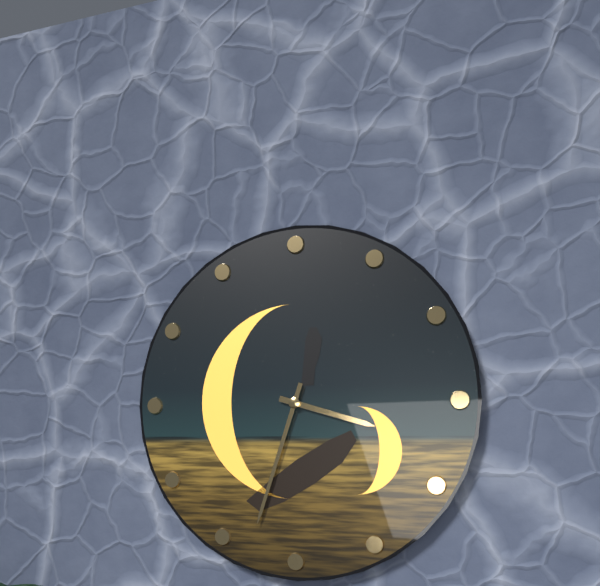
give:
3.33
